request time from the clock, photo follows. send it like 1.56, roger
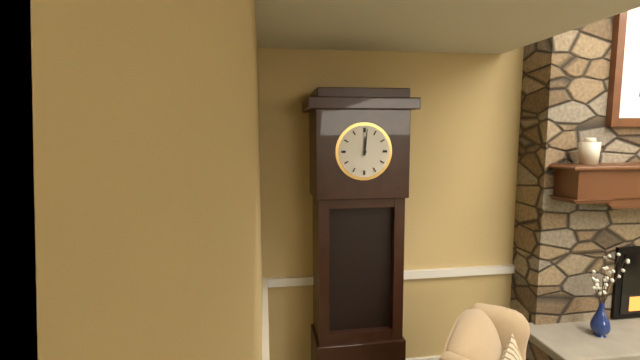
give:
12.01
